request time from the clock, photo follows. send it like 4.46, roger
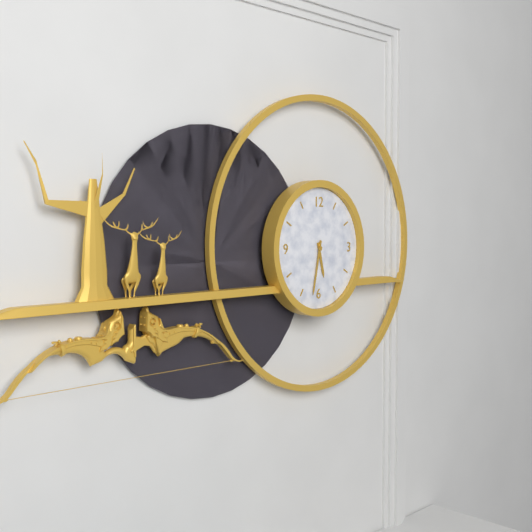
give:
5.32
